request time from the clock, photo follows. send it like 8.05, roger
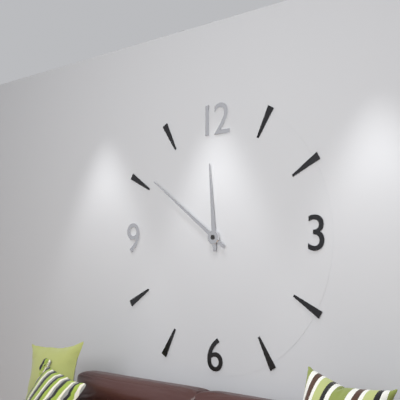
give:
11.51
